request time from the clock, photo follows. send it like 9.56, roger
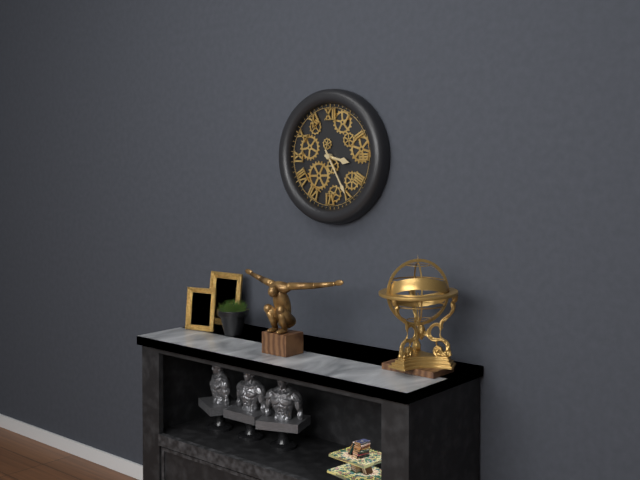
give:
3.25
